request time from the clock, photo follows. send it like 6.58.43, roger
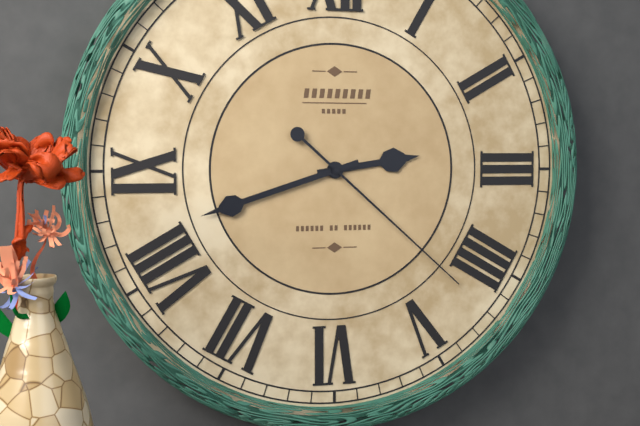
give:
2.42.22
